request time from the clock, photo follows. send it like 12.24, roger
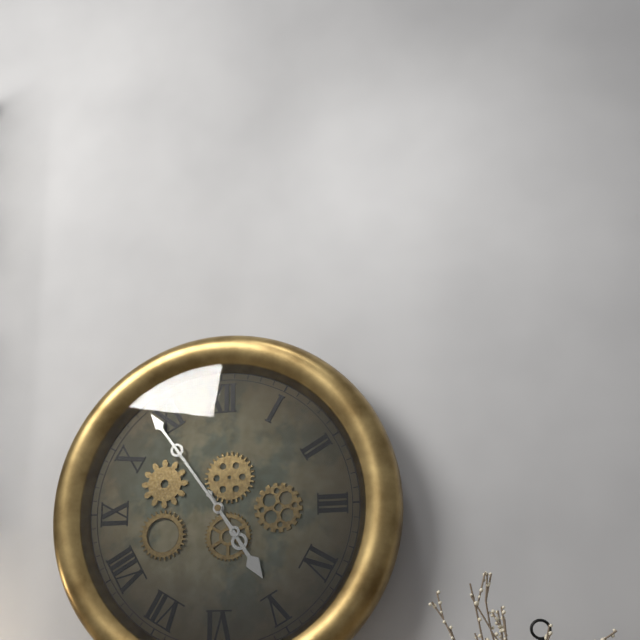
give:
4.54
